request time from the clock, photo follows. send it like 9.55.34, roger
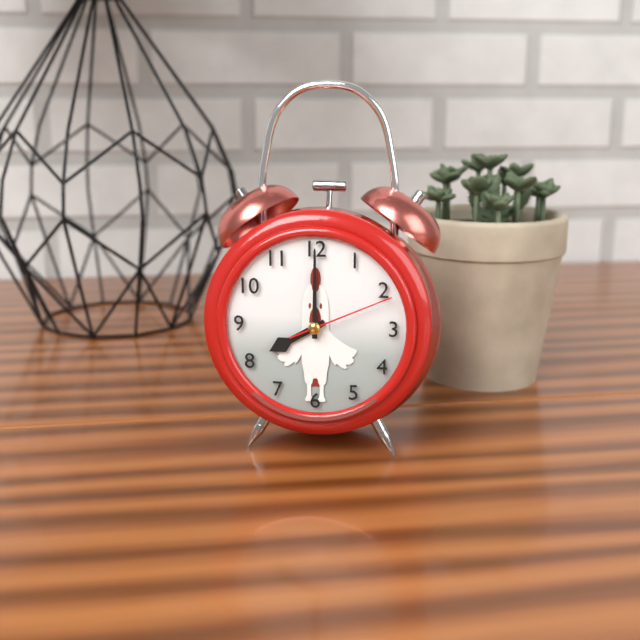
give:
8.00.11
